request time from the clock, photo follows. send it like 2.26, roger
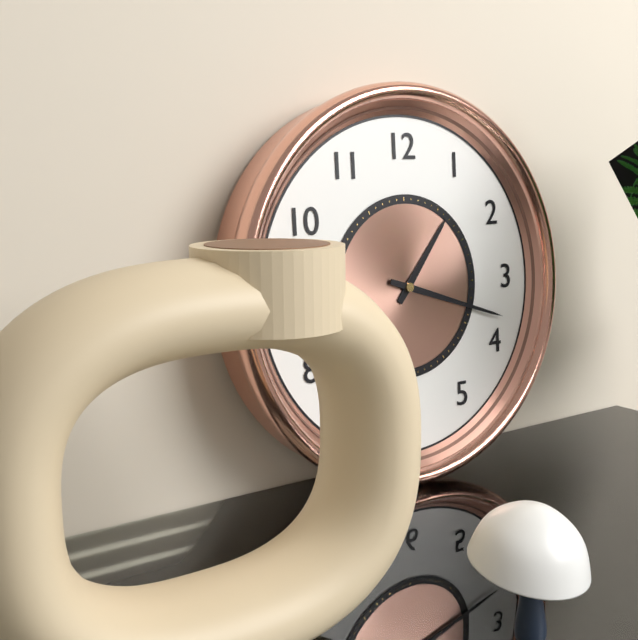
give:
1.18
